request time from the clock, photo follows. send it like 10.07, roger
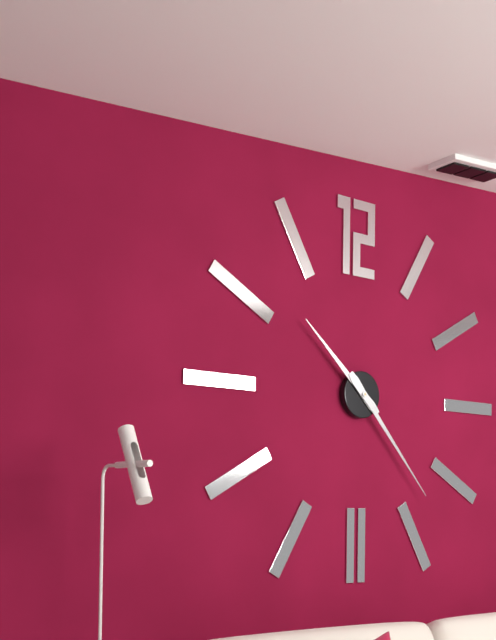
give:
10.23
